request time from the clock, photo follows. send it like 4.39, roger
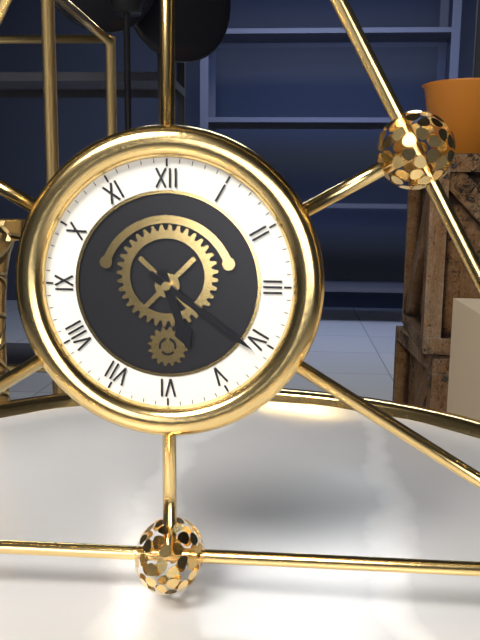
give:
5.21
